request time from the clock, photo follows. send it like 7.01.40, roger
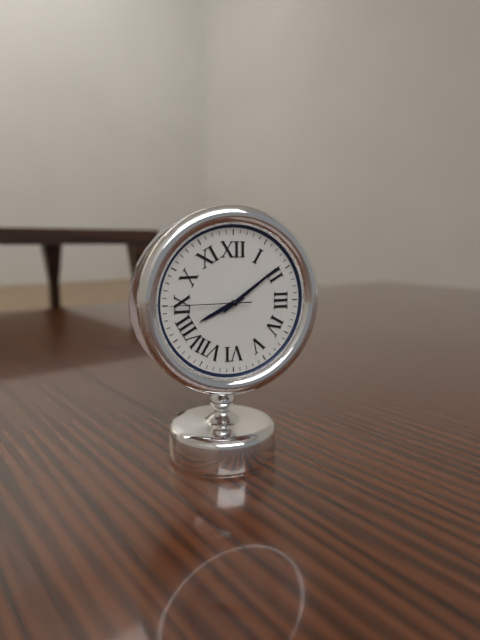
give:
8.09.45
